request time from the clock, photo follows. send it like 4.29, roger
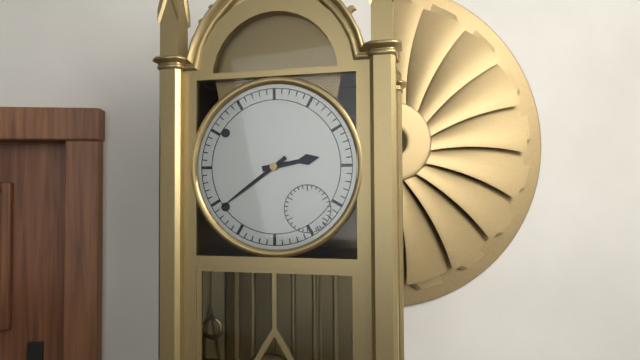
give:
2.39
